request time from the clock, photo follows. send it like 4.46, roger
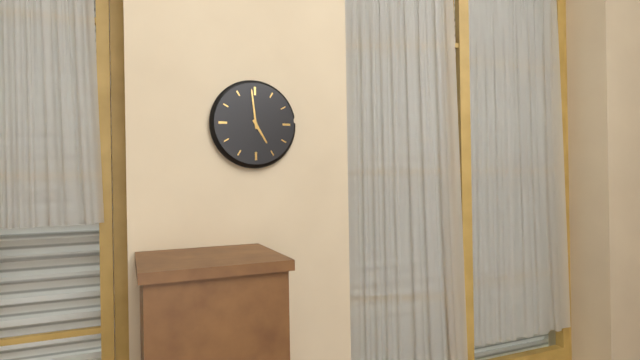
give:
4.59
